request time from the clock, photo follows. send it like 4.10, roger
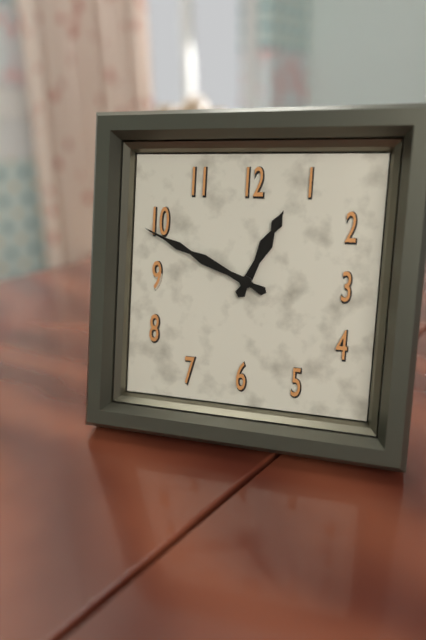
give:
12.49
